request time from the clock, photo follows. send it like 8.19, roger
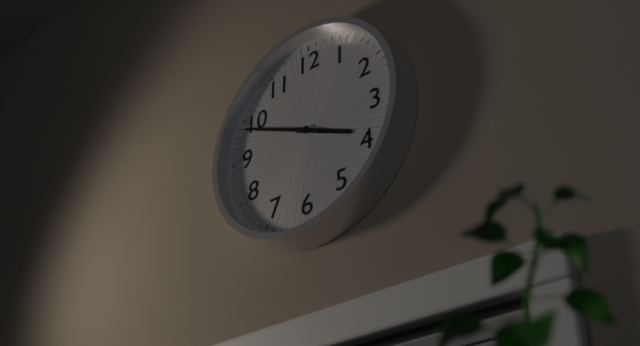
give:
3.49
